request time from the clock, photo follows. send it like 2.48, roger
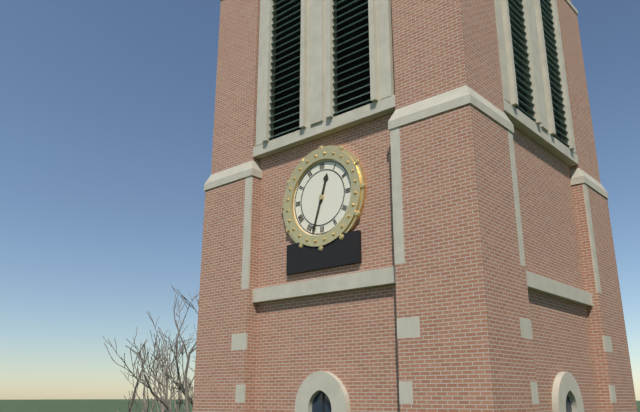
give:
12.33
